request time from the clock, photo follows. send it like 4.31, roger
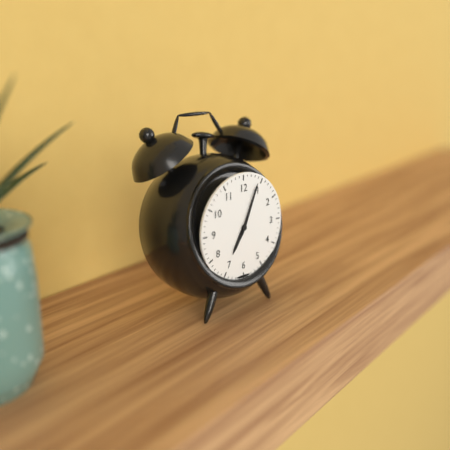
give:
7.04
